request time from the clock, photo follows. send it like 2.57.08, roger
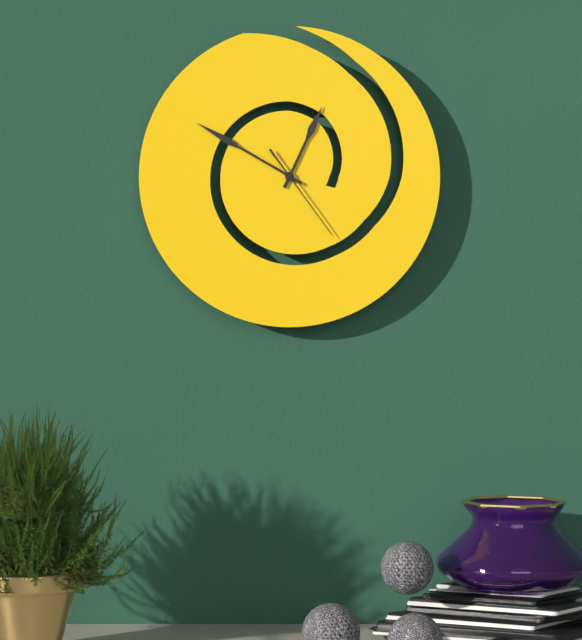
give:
12.50.24
